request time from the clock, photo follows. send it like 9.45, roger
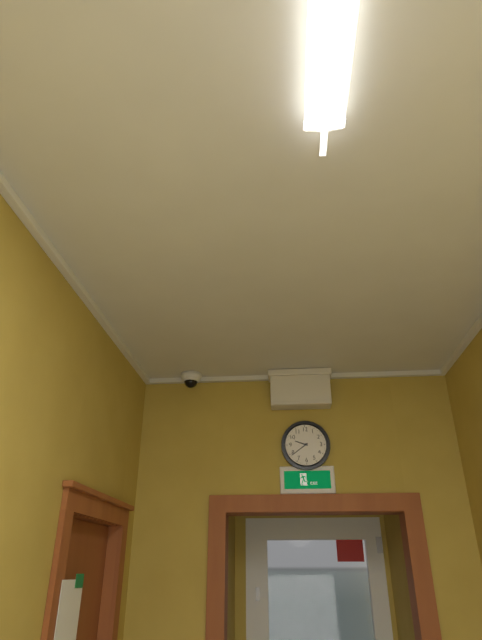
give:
9.39
